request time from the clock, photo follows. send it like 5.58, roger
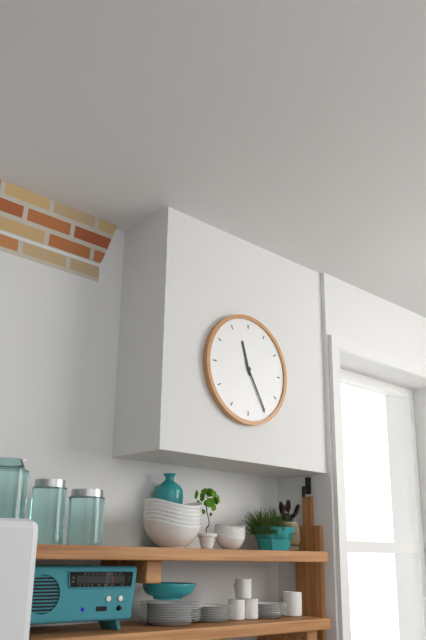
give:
11.25
